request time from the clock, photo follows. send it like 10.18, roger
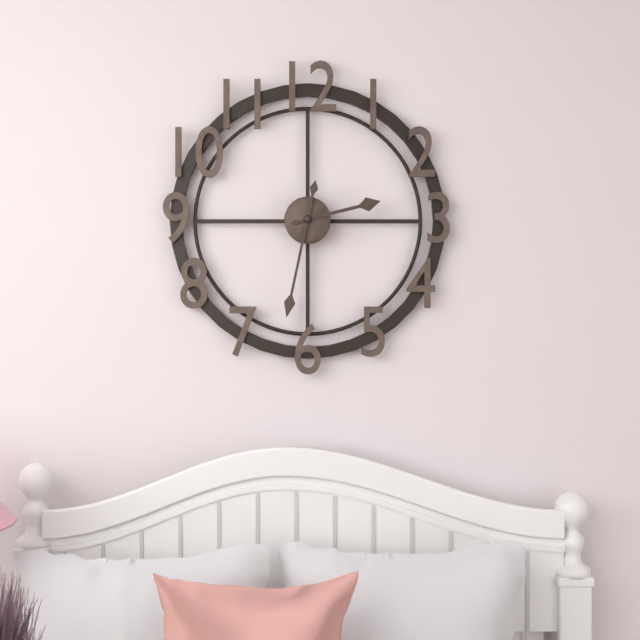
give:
2.32
